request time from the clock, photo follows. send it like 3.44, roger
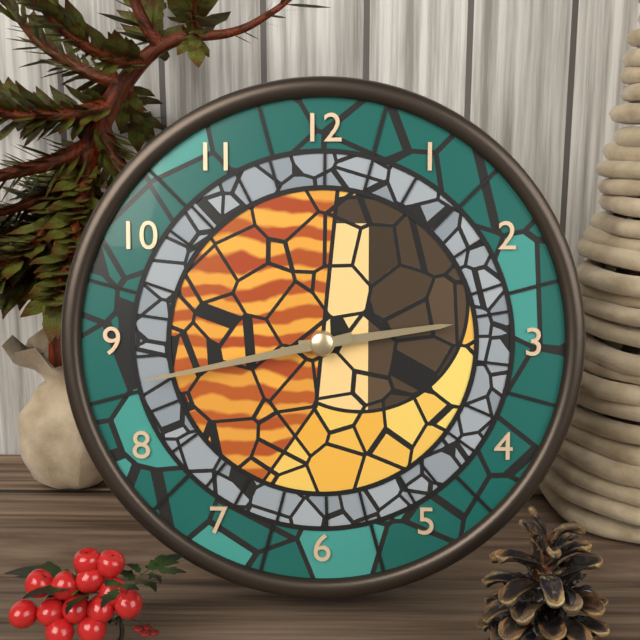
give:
2.43
